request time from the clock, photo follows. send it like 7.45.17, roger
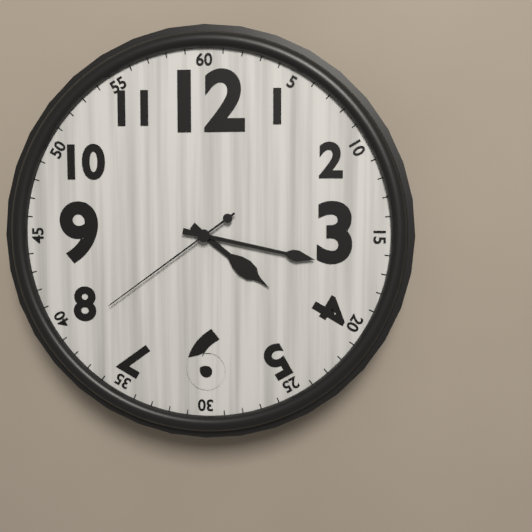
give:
4.17.39
